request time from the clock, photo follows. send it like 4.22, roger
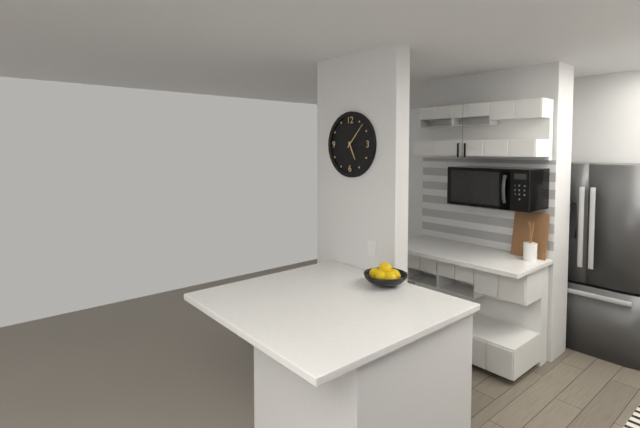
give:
5.07
